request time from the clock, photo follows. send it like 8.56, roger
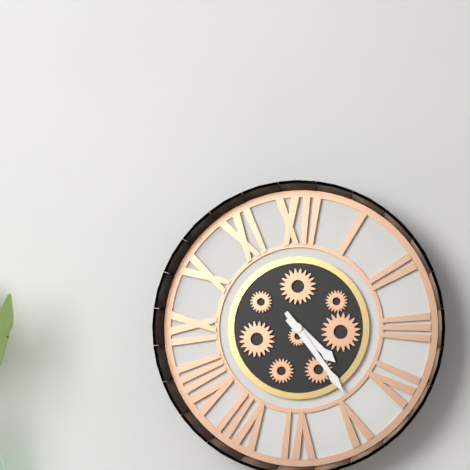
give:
4.24
